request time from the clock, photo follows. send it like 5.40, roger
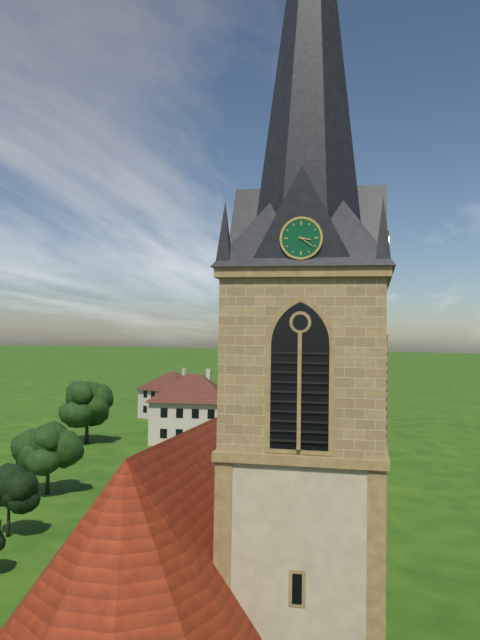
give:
3.21
